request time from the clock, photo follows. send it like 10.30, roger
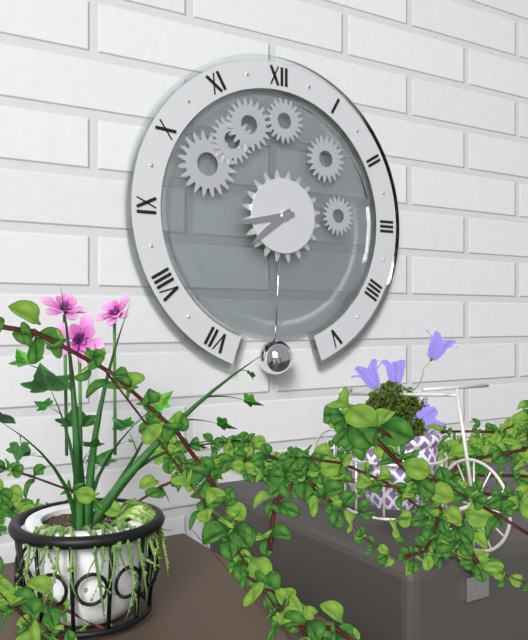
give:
7.43
